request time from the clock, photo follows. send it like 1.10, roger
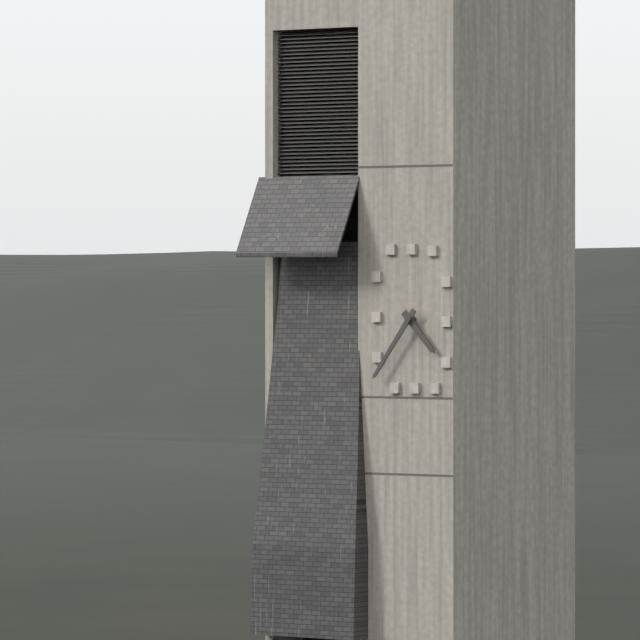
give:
4.36
